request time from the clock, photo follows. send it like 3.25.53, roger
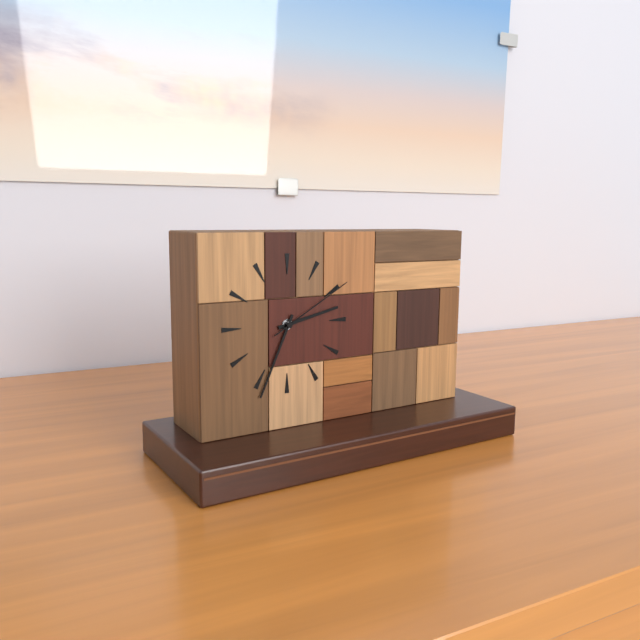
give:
2.34.10
